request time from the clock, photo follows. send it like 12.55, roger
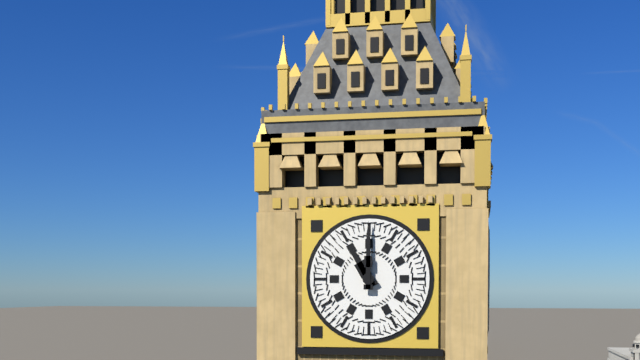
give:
11.00
